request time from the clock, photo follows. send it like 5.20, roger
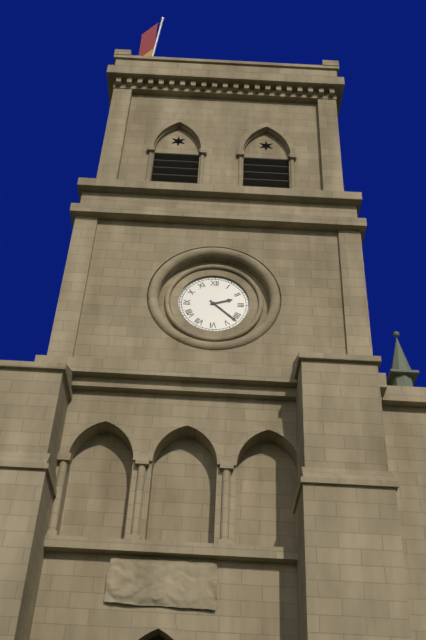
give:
2.22
